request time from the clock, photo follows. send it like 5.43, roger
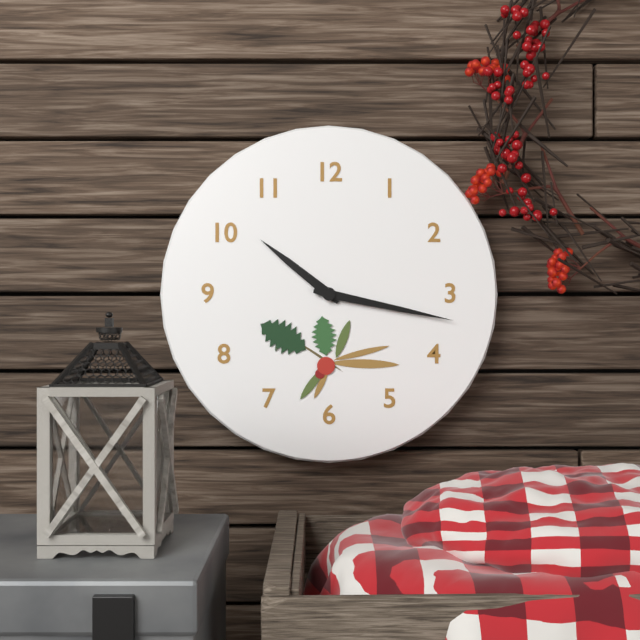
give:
10.17
